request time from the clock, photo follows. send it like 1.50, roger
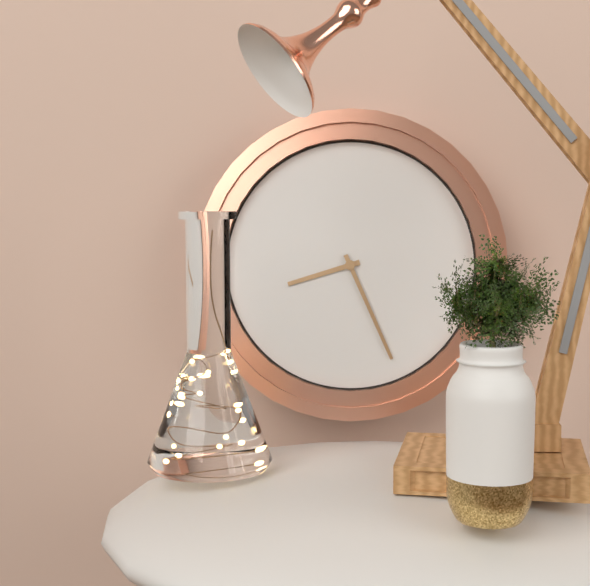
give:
8.26
